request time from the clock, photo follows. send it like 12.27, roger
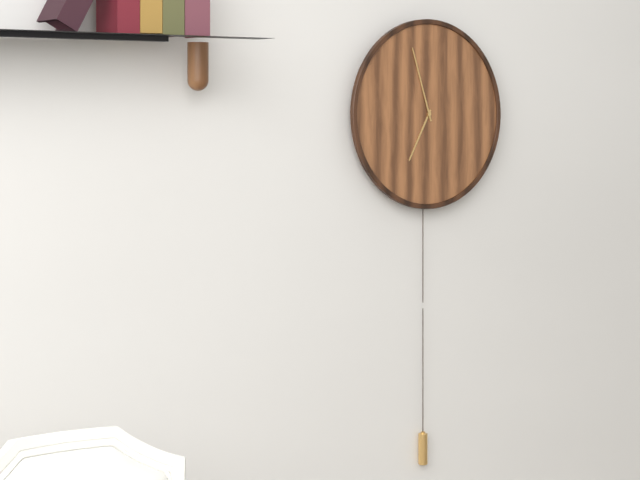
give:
6.57
